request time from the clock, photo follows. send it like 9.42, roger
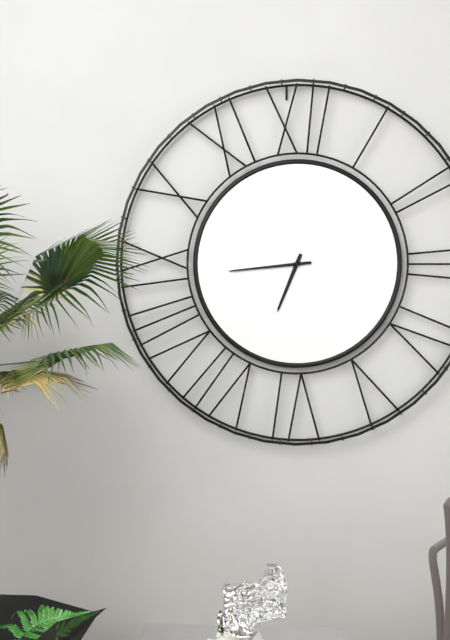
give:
6.44
